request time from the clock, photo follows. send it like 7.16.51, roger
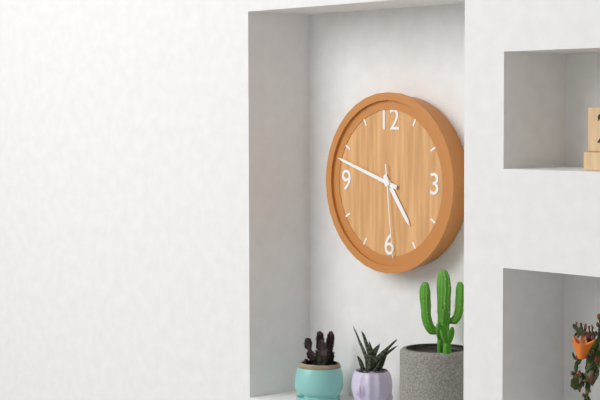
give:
4.48.29
